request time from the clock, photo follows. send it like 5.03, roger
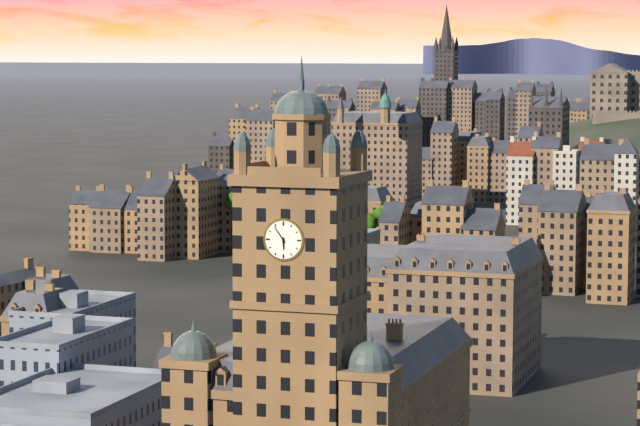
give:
5.54
